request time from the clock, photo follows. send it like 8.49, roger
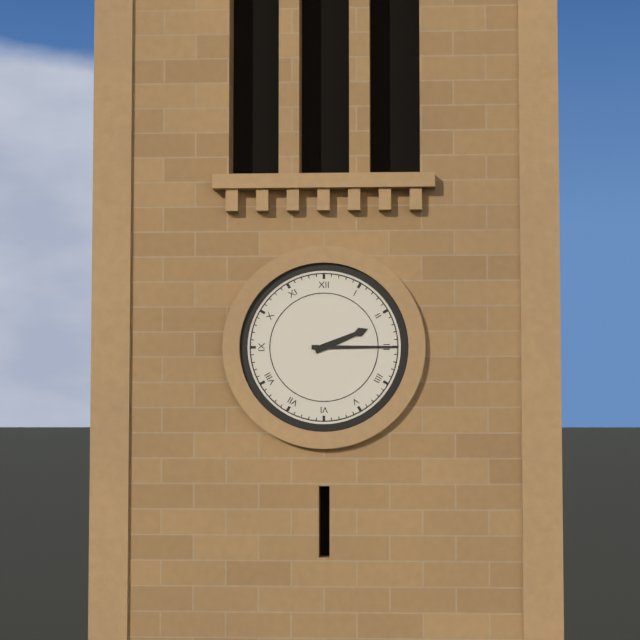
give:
2.15
